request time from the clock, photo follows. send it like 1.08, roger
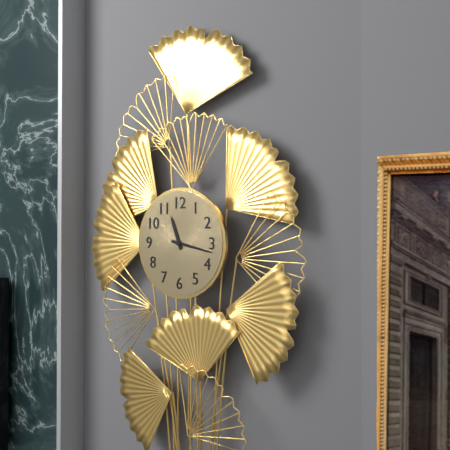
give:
11.17
